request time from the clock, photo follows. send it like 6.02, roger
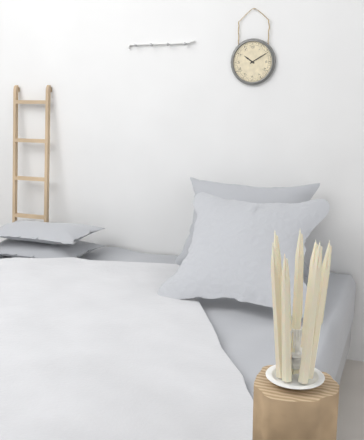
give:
10.10
